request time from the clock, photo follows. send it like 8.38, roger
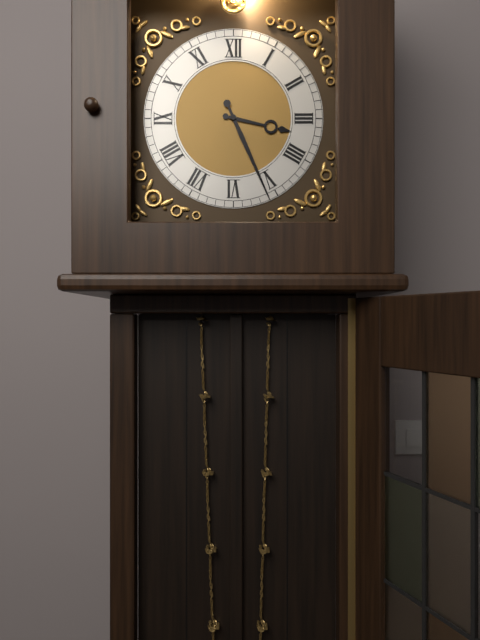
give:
3.26
